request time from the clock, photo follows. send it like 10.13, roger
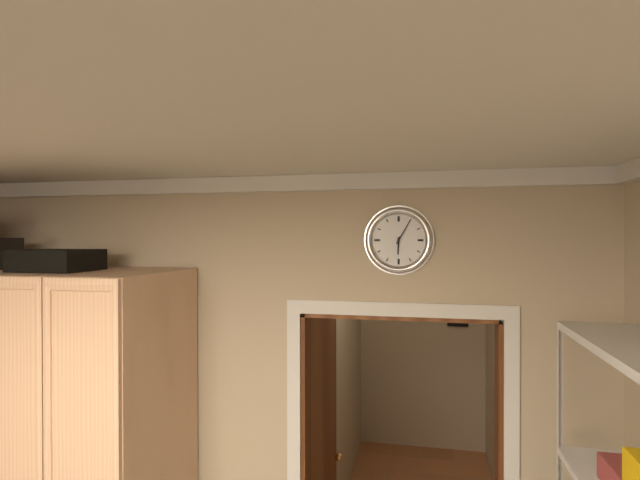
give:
6.05
